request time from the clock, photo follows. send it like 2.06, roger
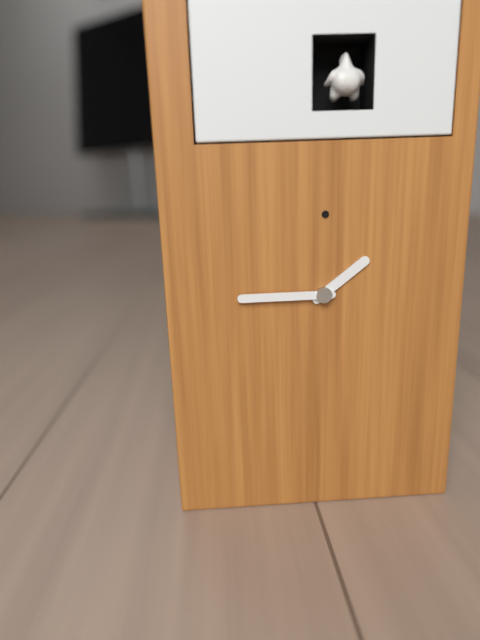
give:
1.45
